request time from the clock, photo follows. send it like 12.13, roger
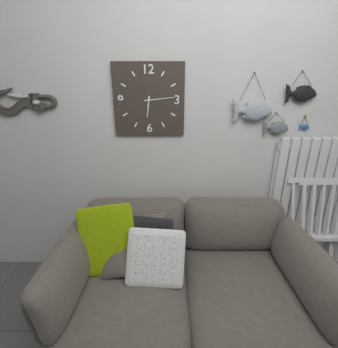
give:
6.14
